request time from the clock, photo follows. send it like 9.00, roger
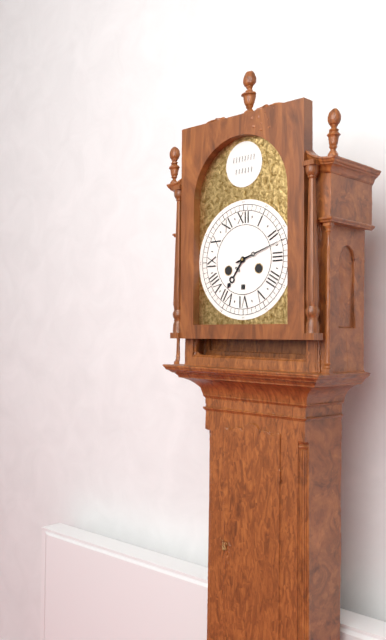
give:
7.12
